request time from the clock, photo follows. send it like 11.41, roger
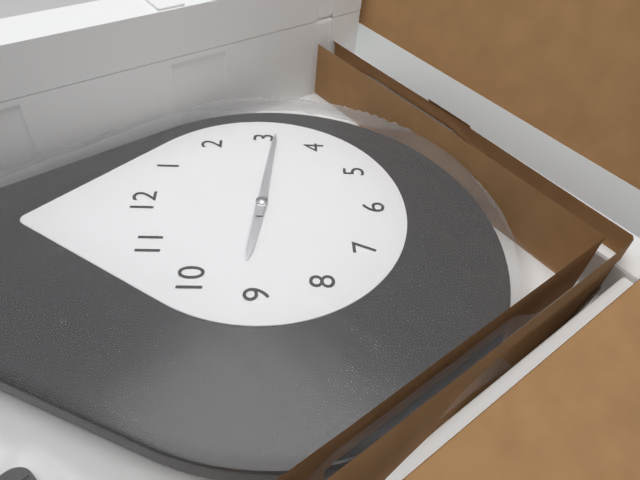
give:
9.16
